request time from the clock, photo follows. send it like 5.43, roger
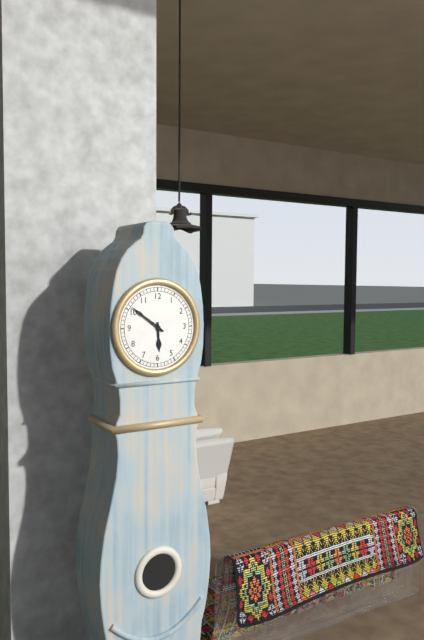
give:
5.51
